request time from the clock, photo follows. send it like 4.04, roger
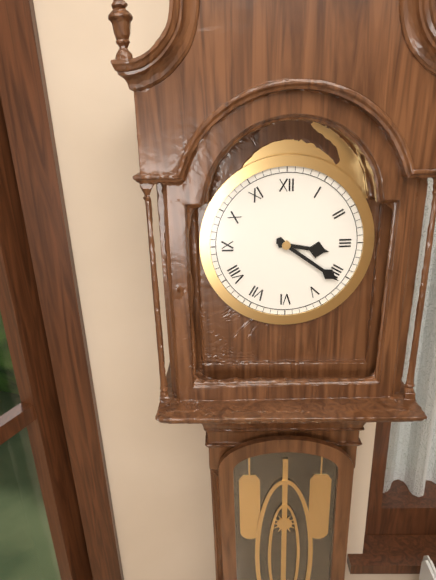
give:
3.21
